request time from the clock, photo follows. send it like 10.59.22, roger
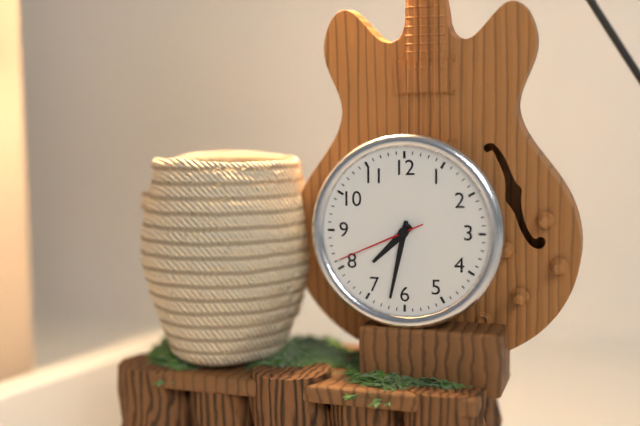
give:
7.32.41
